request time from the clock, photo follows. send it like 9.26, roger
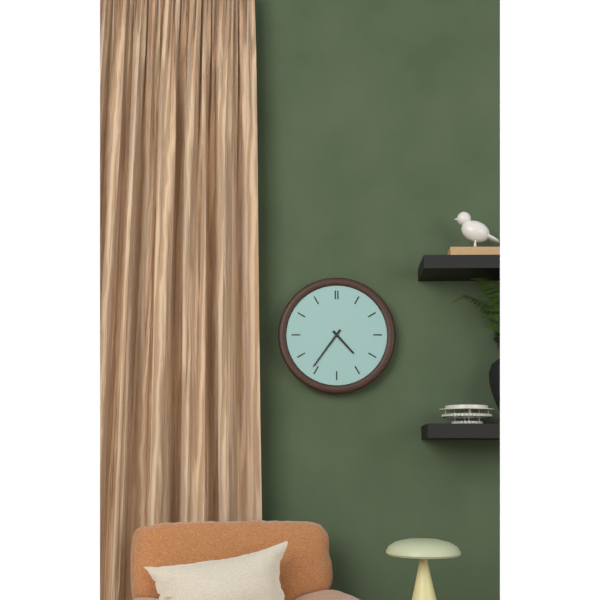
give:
4.36
